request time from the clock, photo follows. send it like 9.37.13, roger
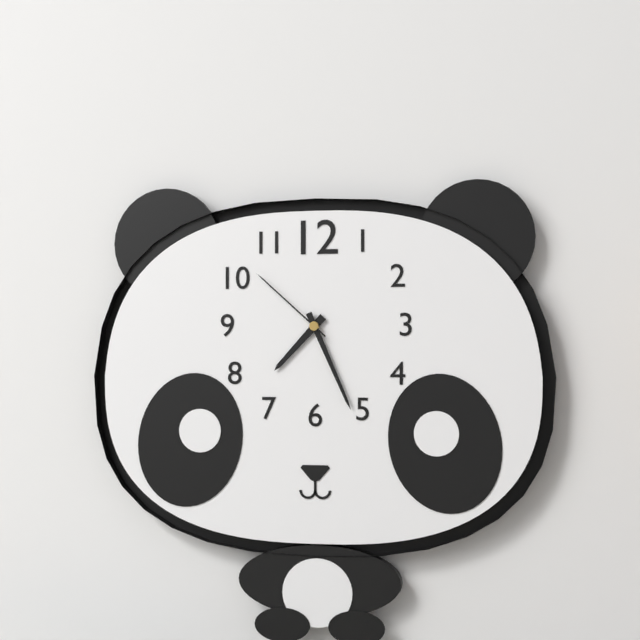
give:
7.26.52
